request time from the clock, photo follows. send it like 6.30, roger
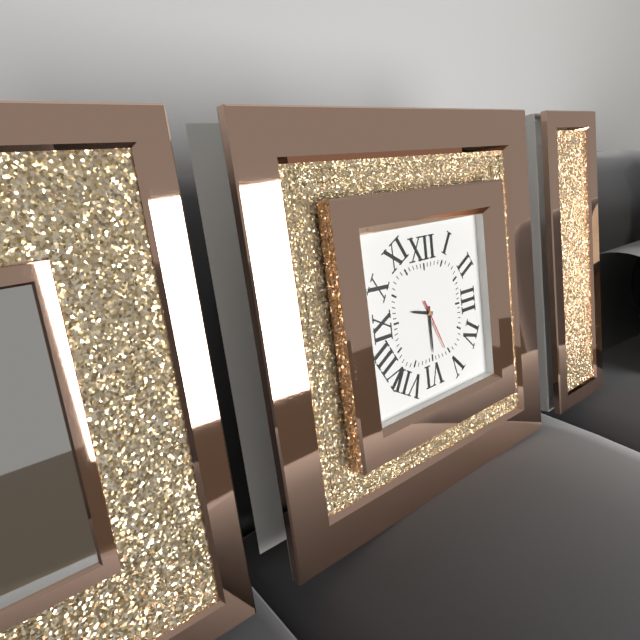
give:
9.30
